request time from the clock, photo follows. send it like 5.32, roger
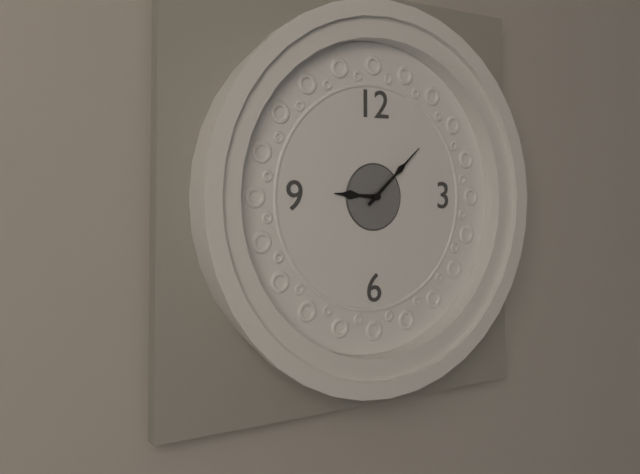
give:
9.08
